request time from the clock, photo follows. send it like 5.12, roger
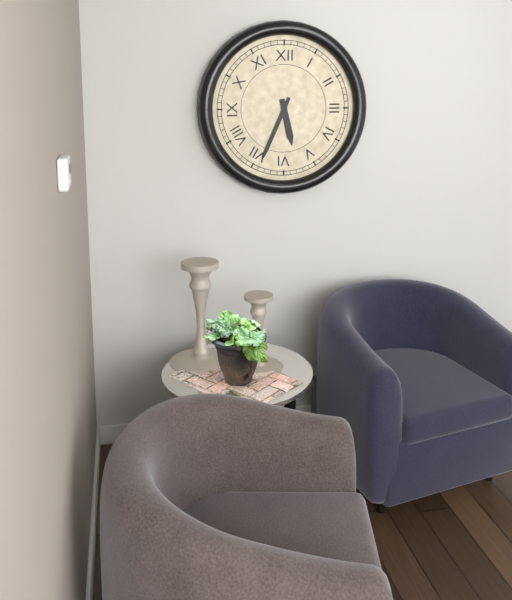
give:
5.34
